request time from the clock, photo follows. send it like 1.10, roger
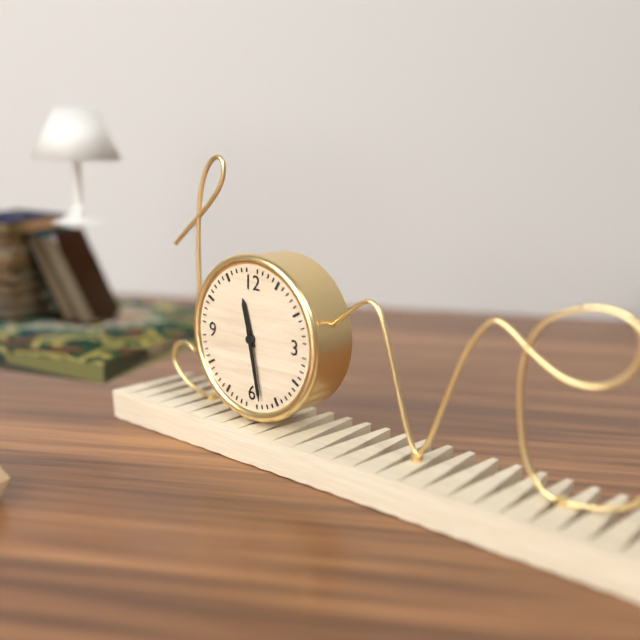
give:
11.28
